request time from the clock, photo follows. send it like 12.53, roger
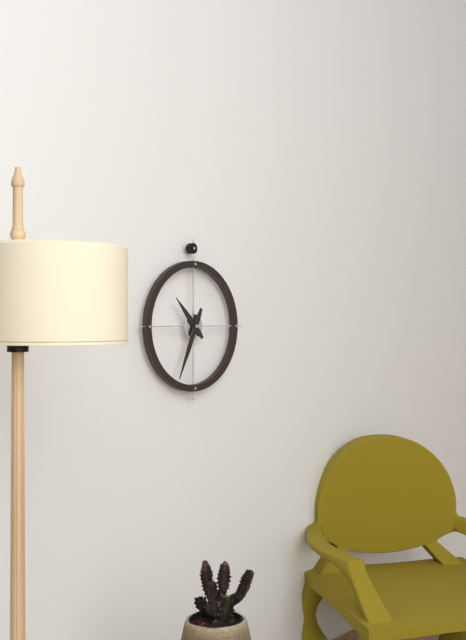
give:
10.34
